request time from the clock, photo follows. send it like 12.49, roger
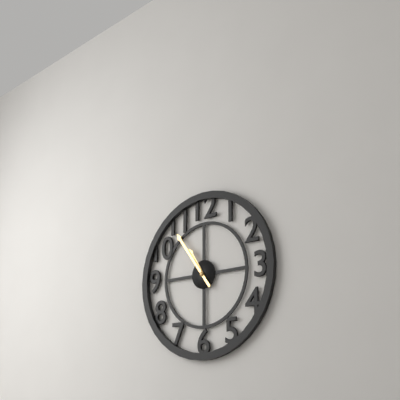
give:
10.54
